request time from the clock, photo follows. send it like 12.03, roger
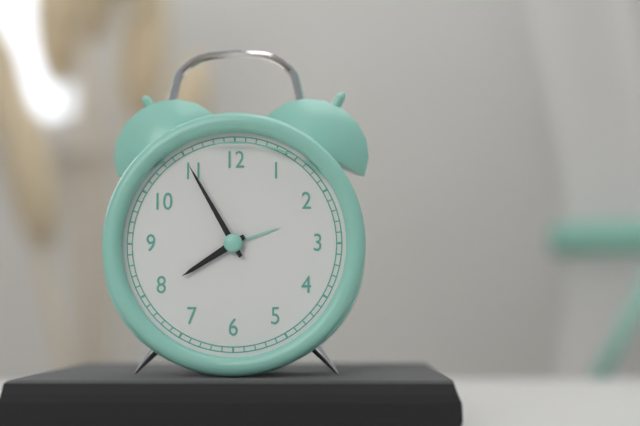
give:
7.55
